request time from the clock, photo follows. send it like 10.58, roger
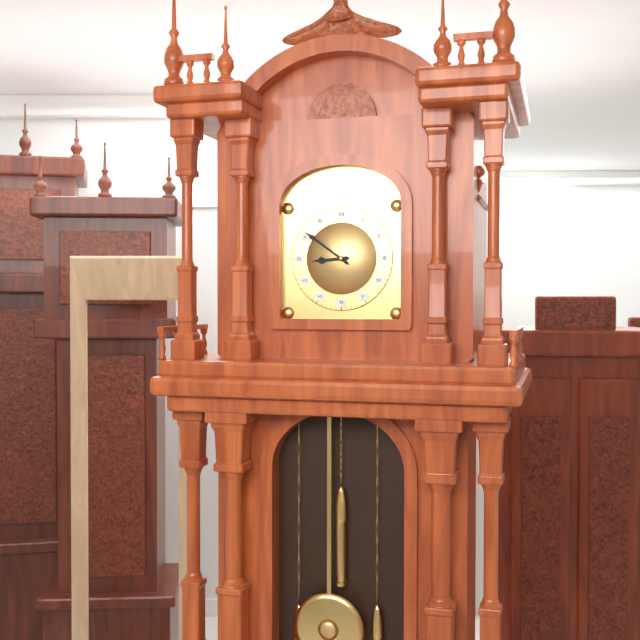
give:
8.51
